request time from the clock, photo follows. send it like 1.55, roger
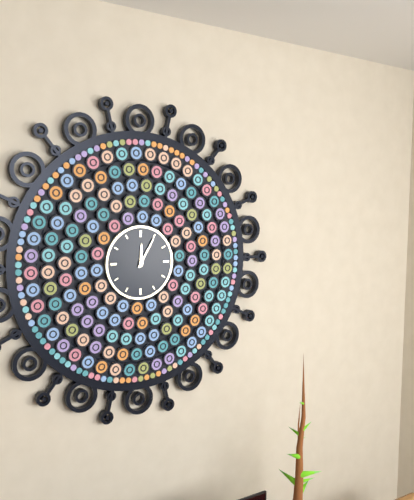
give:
12.05
